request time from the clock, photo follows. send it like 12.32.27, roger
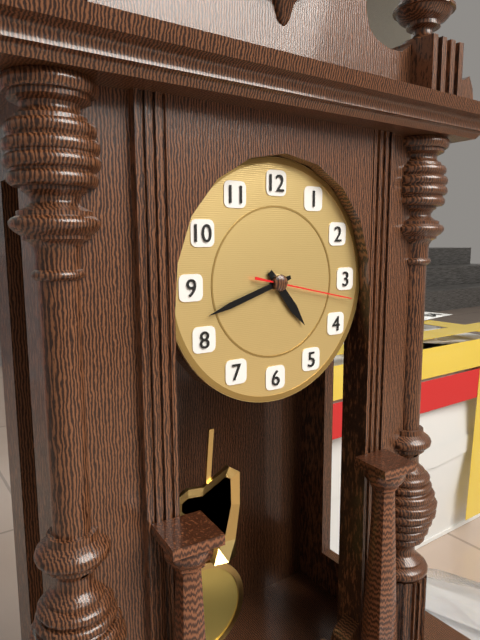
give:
4.42.17
